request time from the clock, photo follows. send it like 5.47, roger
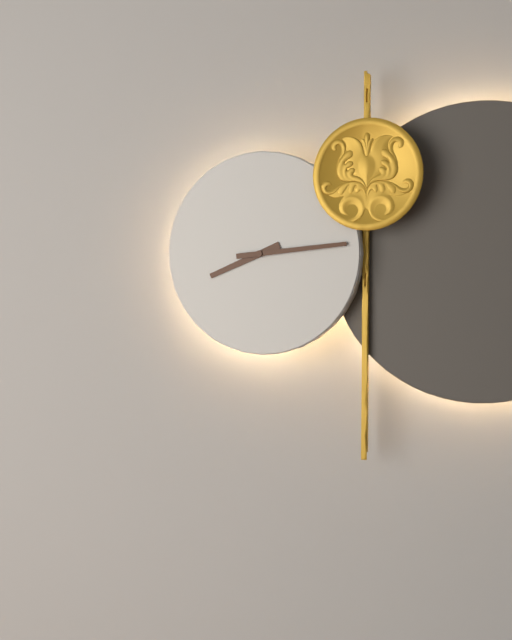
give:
8.14
